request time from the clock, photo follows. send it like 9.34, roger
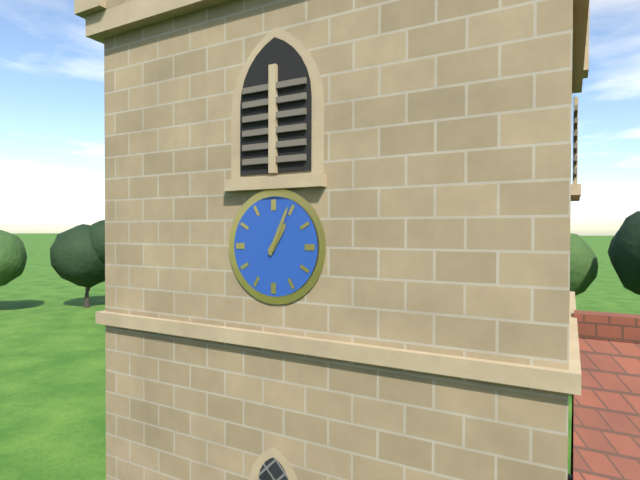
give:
1.04
